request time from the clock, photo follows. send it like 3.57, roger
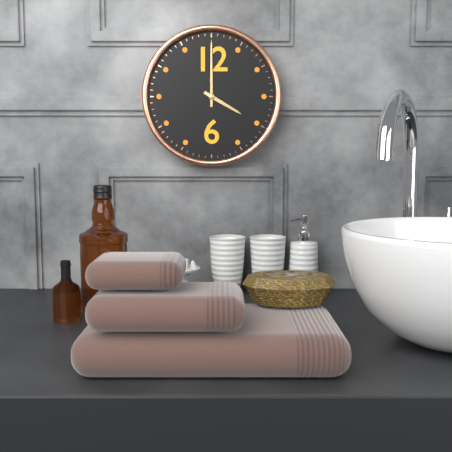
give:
4.00
